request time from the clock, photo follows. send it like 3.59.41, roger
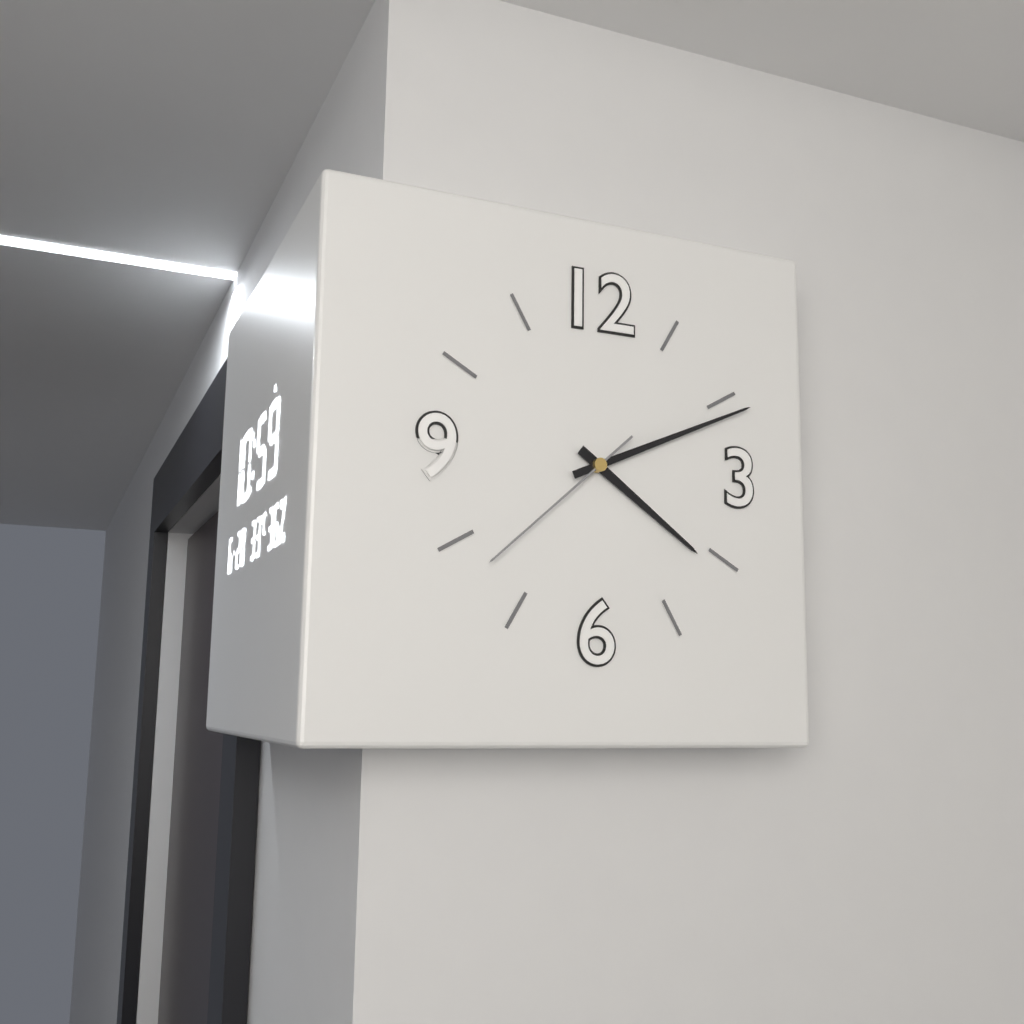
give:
4.11.38
